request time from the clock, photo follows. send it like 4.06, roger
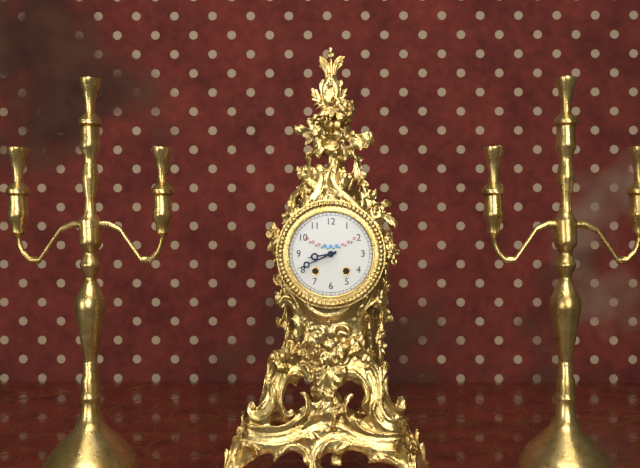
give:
8.41
